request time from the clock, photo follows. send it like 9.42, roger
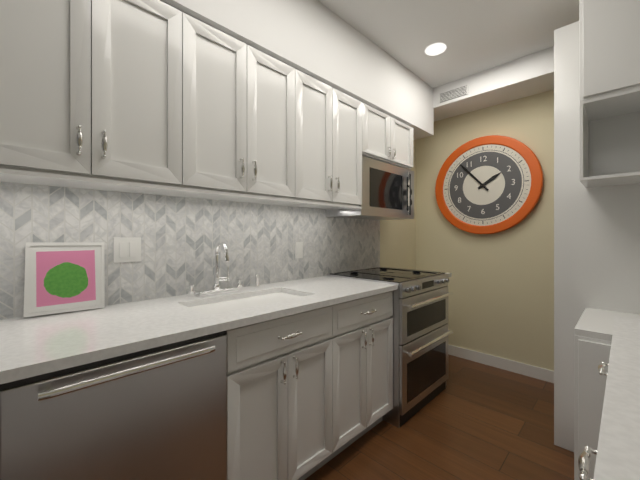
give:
1.53
